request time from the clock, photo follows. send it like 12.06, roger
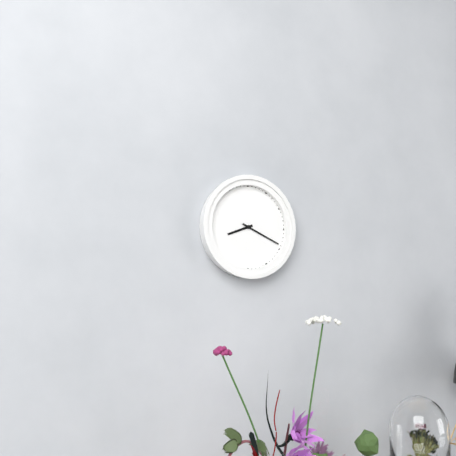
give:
8.19
